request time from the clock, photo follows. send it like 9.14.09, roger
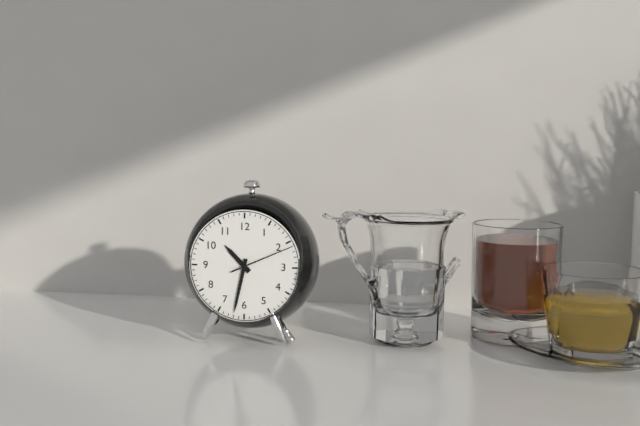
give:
10.32.11
